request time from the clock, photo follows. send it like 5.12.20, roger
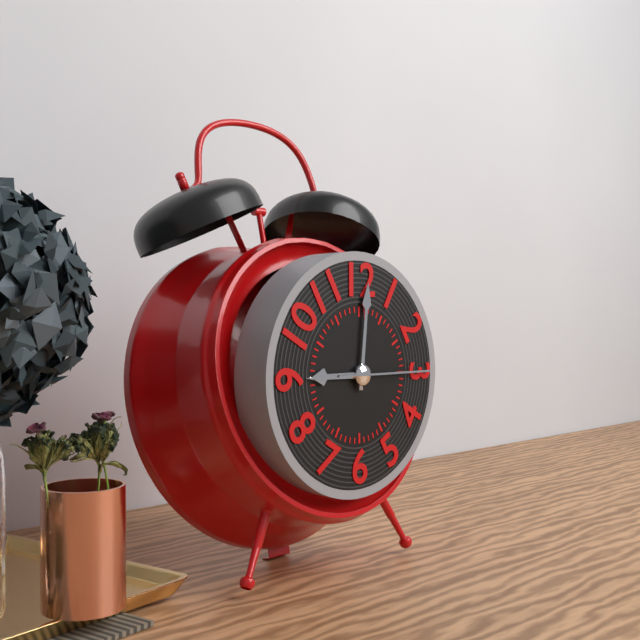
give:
9.01.15
